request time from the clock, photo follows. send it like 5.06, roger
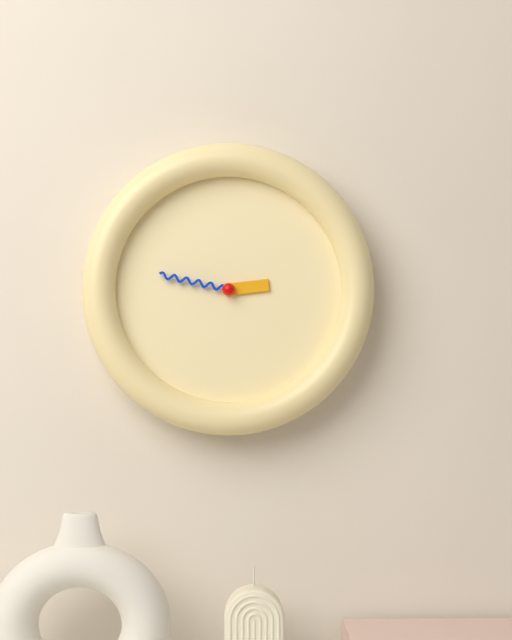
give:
2.47
